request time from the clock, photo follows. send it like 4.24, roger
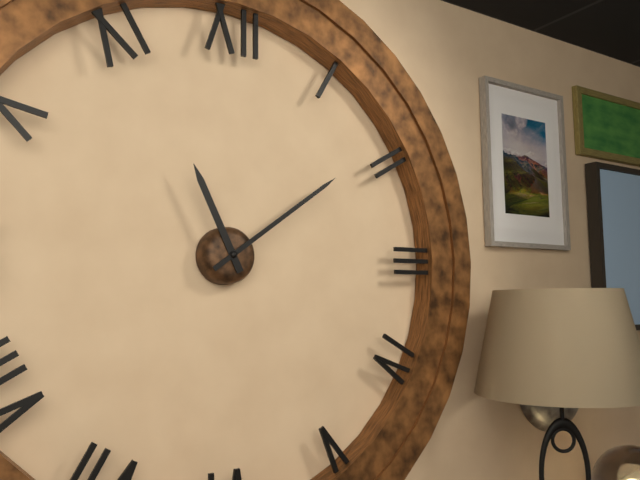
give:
11.09
